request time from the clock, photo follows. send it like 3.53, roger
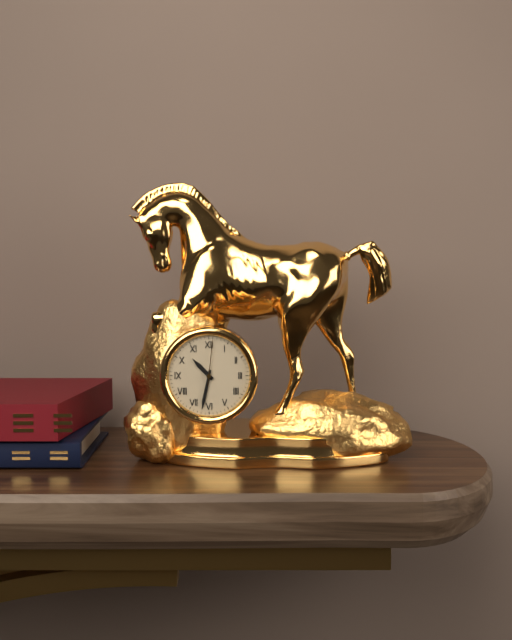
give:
10.32
